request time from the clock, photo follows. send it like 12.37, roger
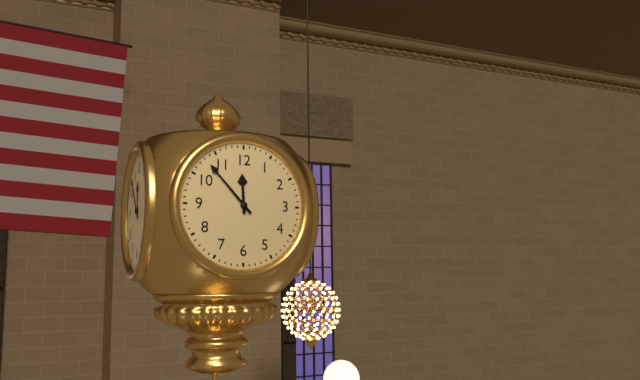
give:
11.53
